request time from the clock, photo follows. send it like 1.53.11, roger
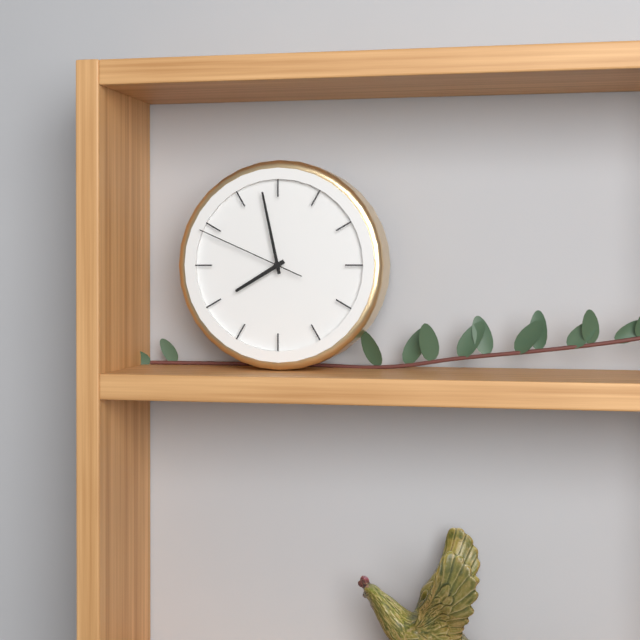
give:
7.58.49
